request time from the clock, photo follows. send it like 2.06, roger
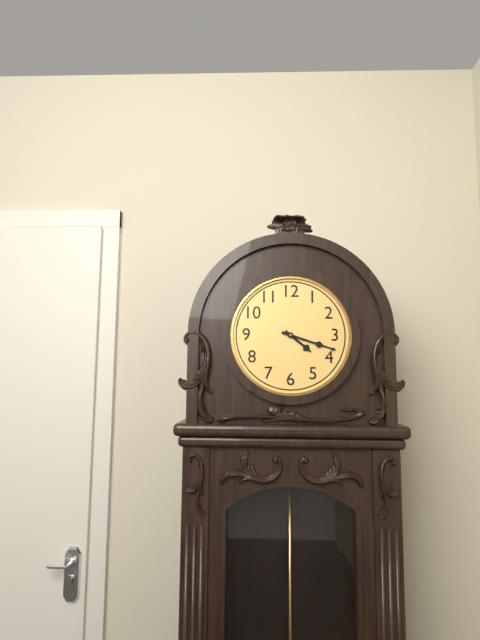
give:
4.18
